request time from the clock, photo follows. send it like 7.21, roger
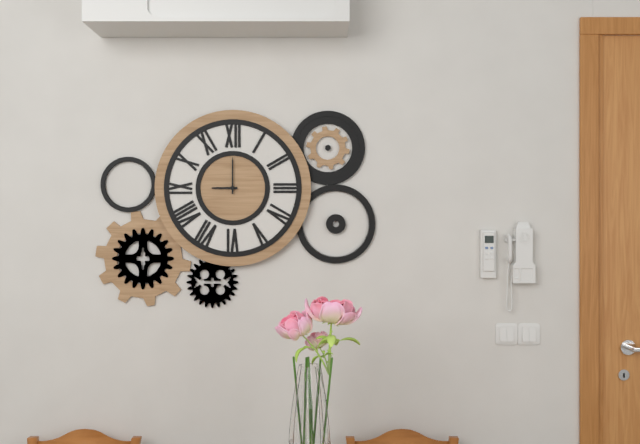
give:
9.00
